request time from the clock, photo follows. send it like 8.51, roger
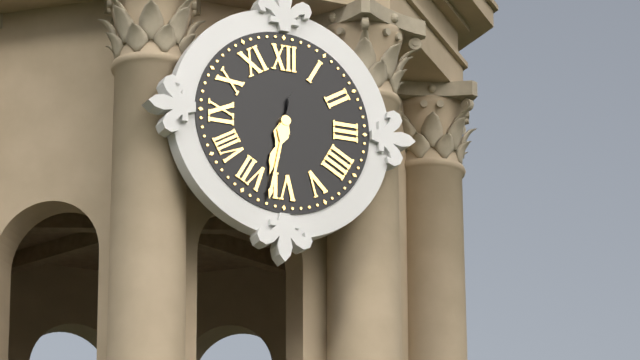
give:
6.32
